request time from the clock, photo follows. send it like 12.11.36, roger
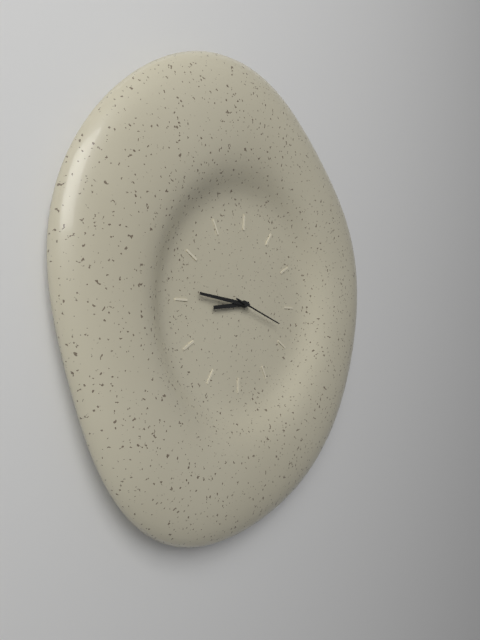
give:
8.46.18
